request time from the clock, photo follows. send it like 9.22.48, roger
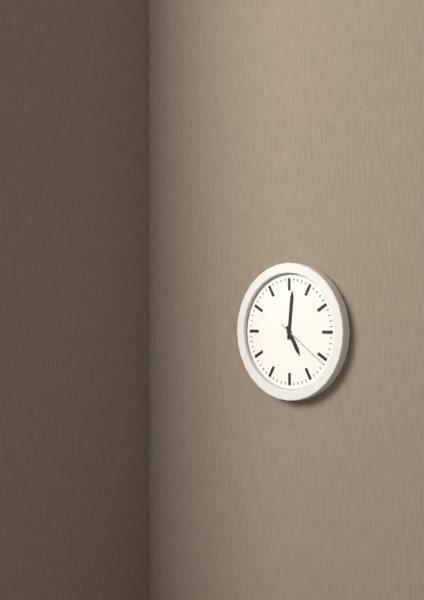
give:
5.01.21
